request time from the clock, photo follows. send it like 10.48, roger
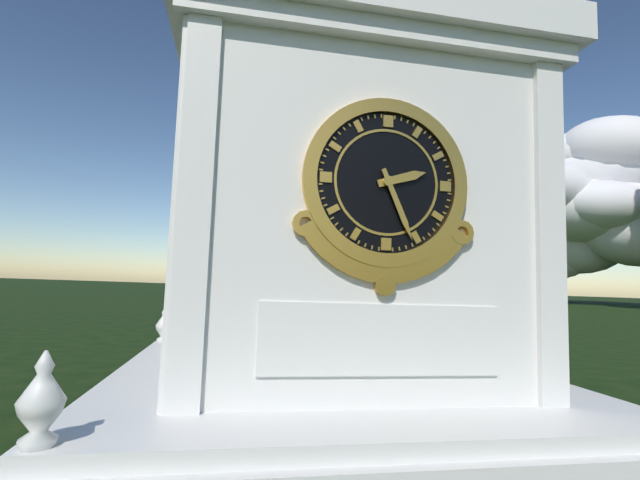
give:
2.26
